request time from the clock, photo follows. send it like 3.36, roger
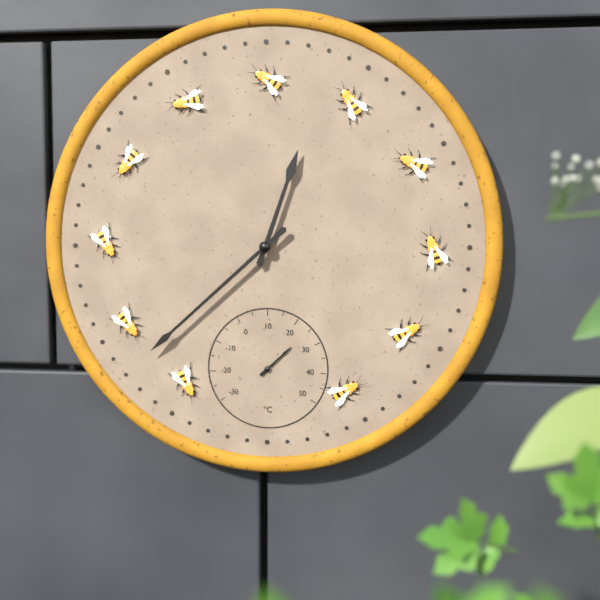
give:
12.38
